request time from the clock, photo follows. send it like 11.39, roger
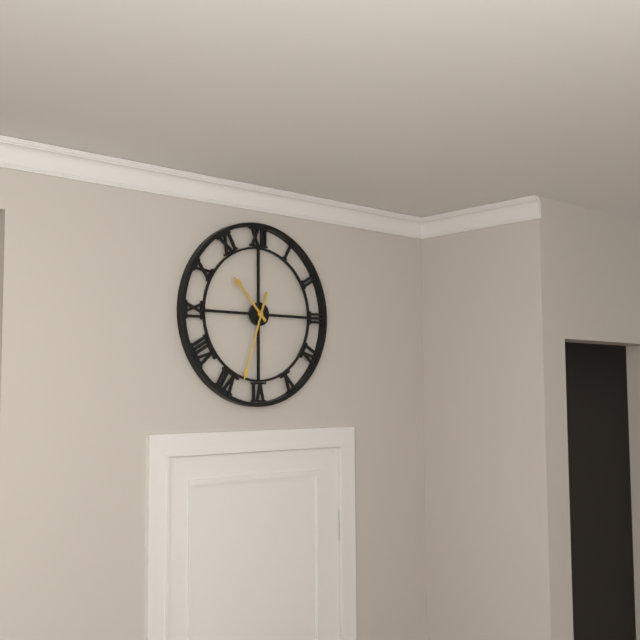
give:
10.33
